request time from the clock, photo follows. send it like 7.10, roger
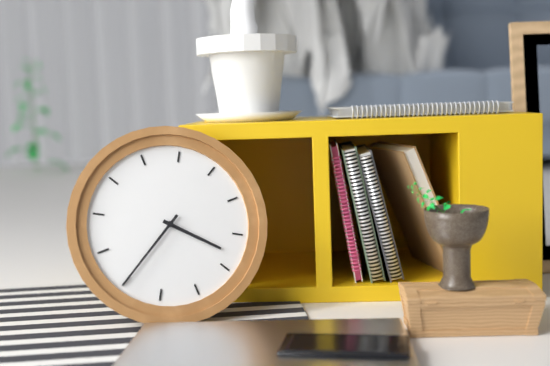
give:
3.35
